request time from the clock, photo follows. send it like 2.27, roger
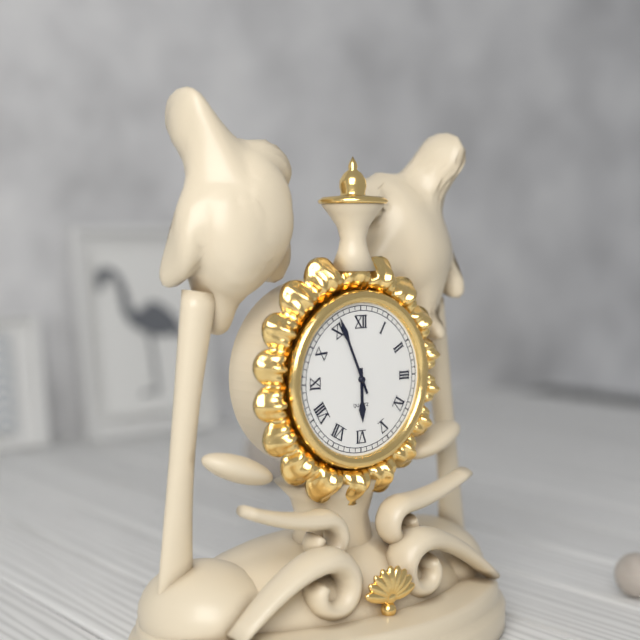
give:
5.56
